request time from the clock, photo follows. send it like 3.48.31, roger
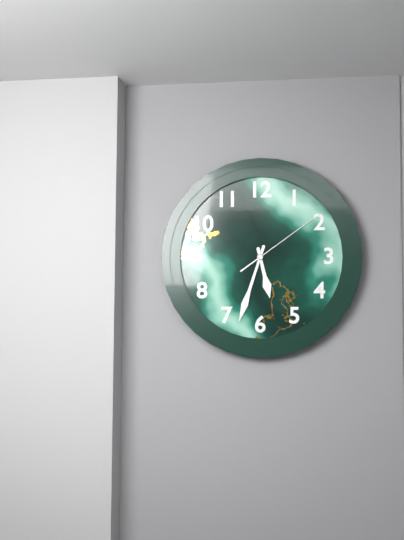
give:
5.33.09
